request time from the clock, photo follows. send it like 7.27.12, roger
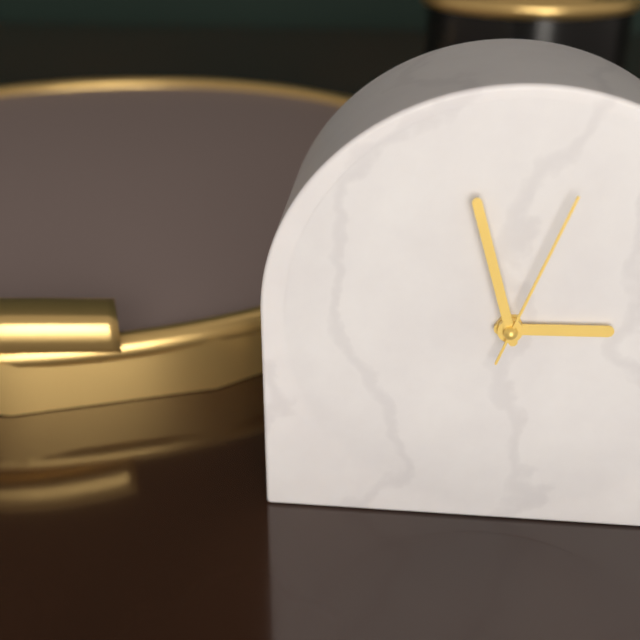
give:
2.57.03
